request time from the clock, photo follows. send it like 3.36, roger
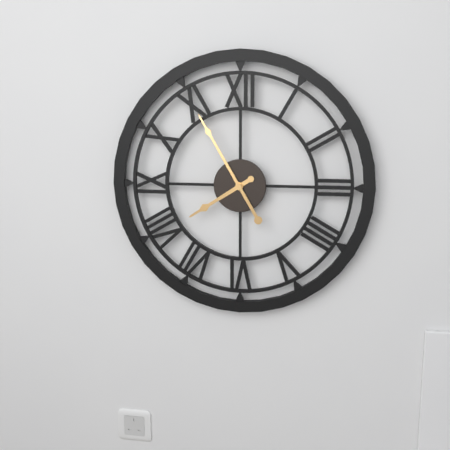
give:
7.55
